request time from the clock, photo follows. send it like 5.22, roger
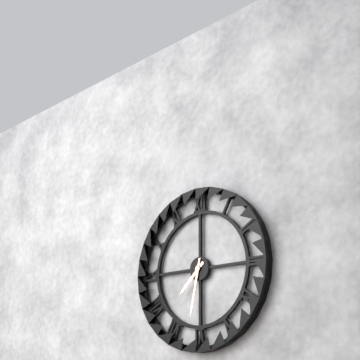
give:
7.32
